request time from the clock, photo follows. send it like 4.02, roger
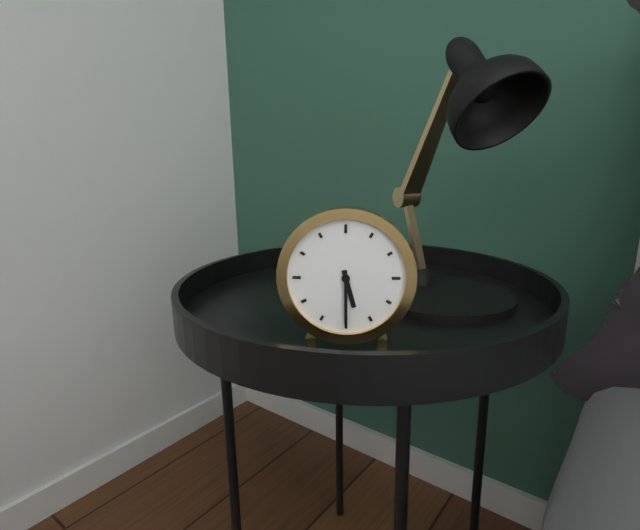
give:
5.30
